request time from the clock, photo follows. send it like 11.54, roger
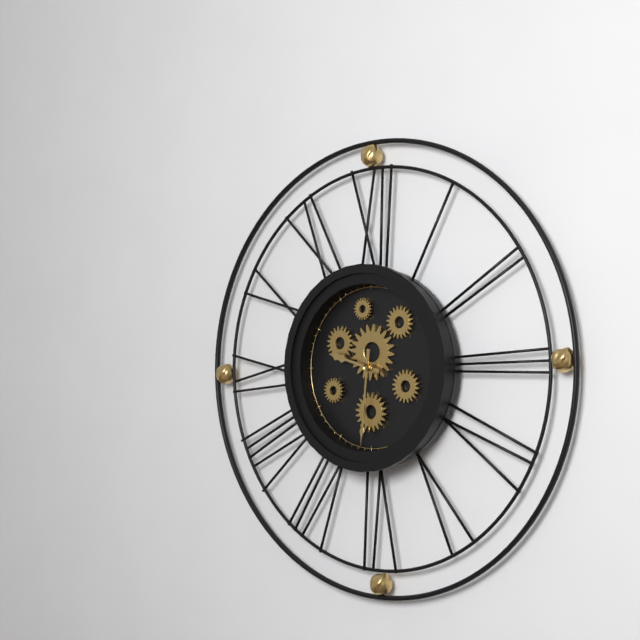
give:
9.31
